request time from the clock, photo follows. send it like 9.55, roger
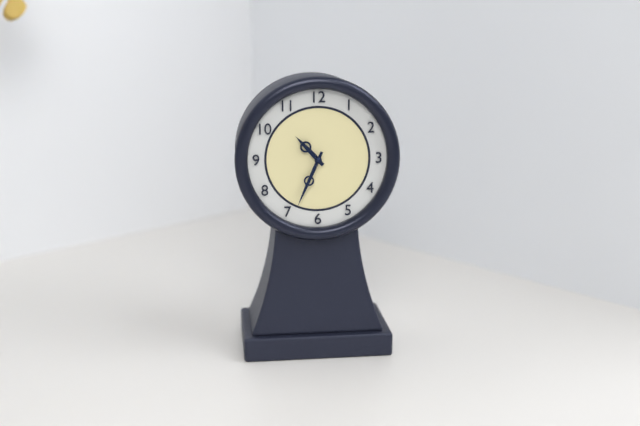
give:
10.34
